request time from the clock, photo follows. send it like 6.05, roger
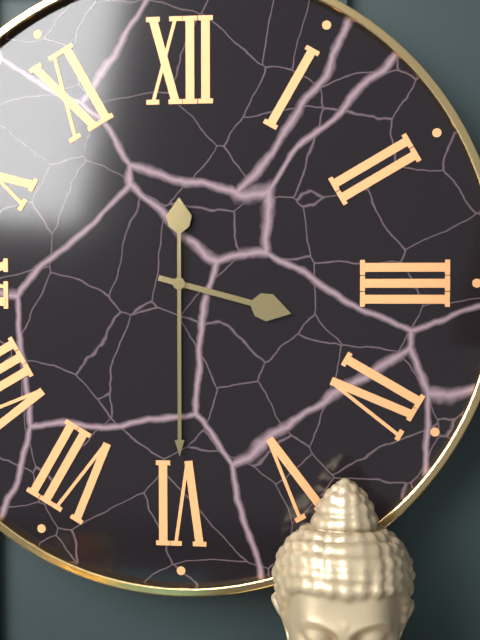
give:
3.30
